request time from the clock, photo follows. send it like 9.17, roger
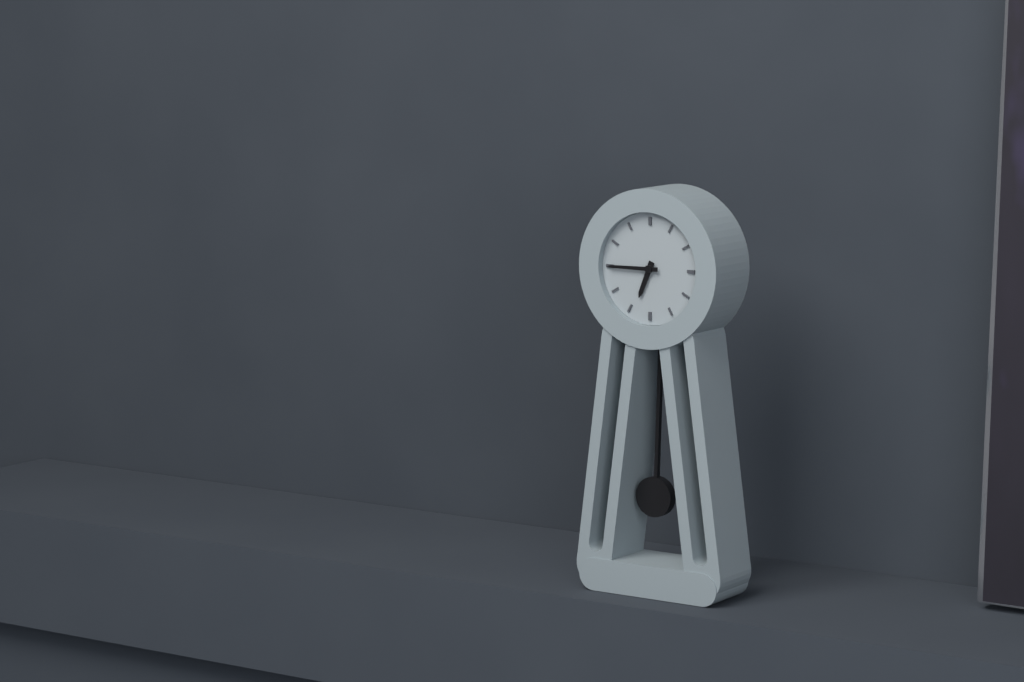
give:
6.45
